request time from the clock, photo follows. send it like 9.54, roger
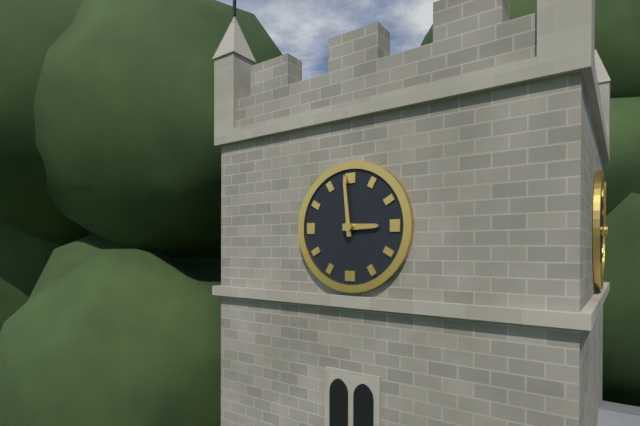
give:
2.59
